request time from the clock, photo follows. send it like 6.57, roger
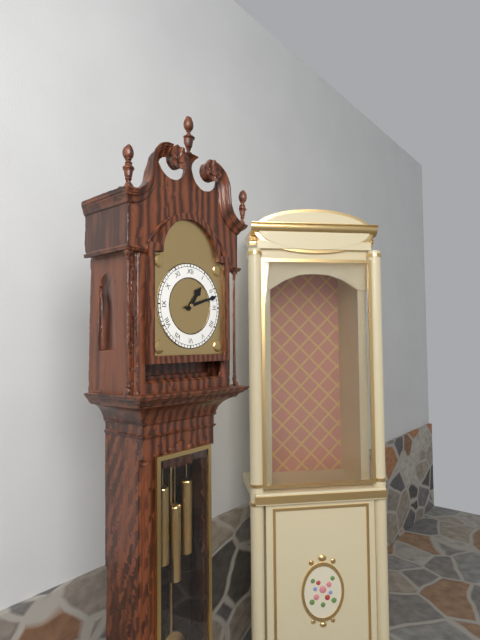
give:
1.12
